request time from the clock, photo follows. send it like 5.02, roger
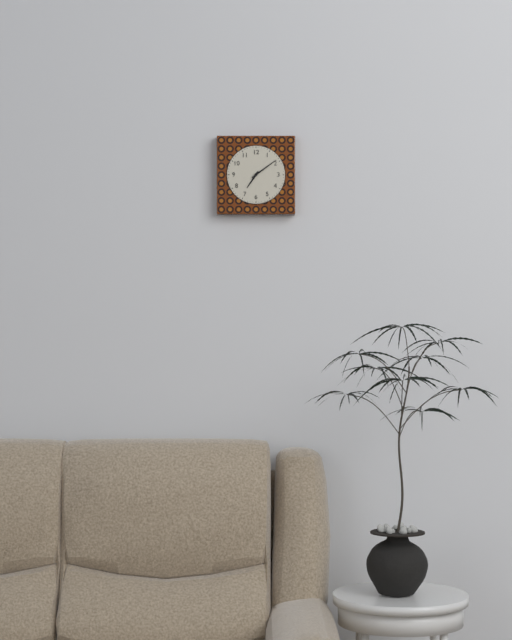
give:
7.09
